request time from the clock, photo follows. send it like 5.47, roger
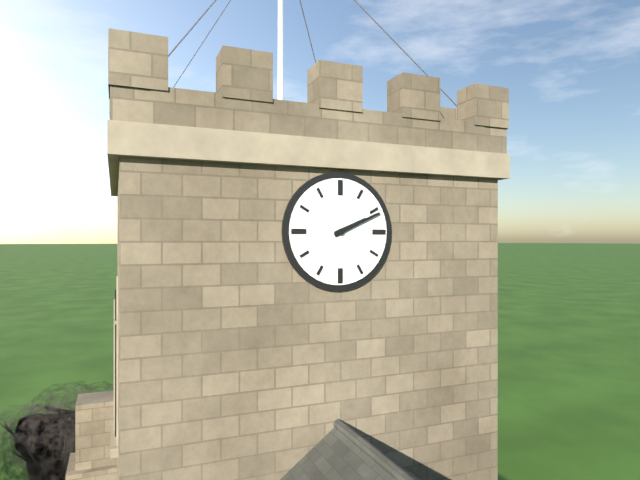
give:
2.11
